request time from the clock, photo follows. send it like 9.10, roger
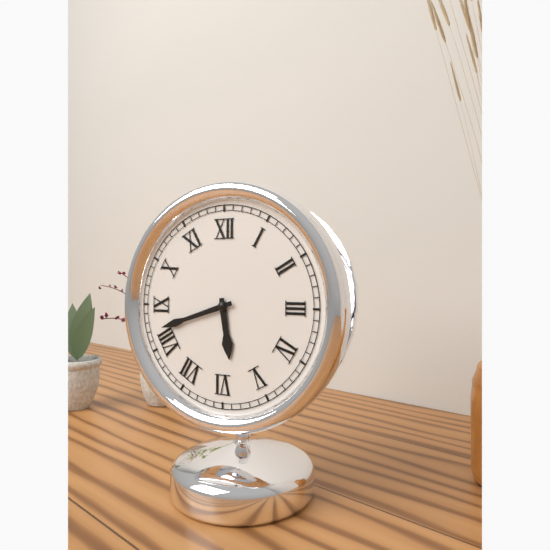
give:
5.42
